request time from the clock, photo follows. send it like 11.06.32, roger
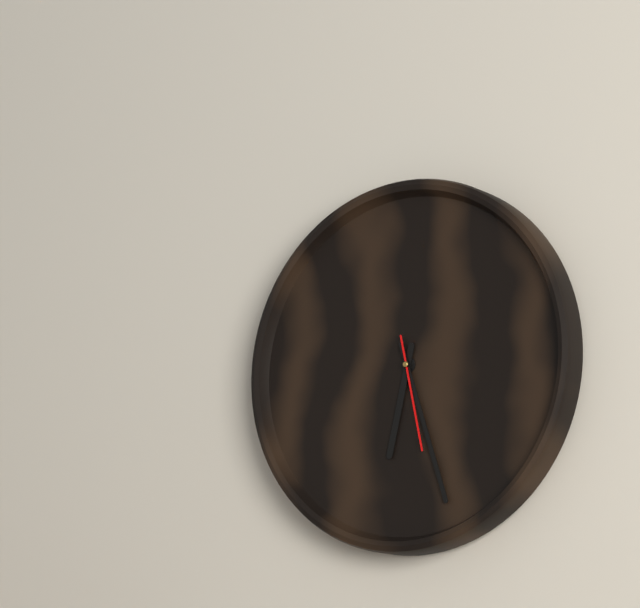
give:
6.27.28
